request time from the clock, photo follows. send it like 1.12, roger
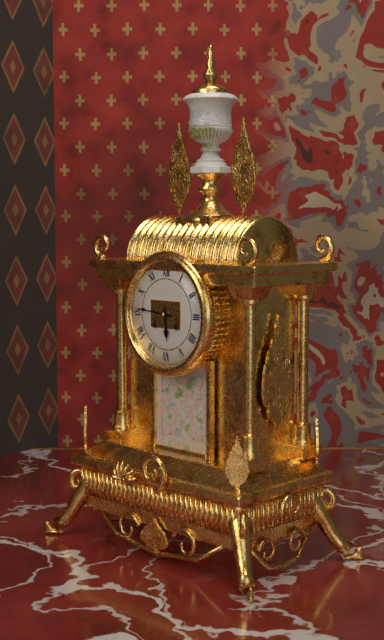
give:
5.46
